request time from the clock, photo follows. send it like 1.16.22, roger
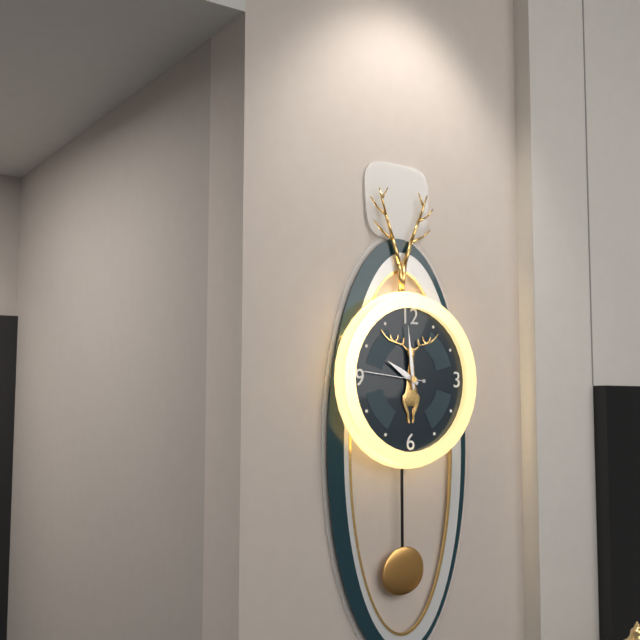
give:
9.59.46
